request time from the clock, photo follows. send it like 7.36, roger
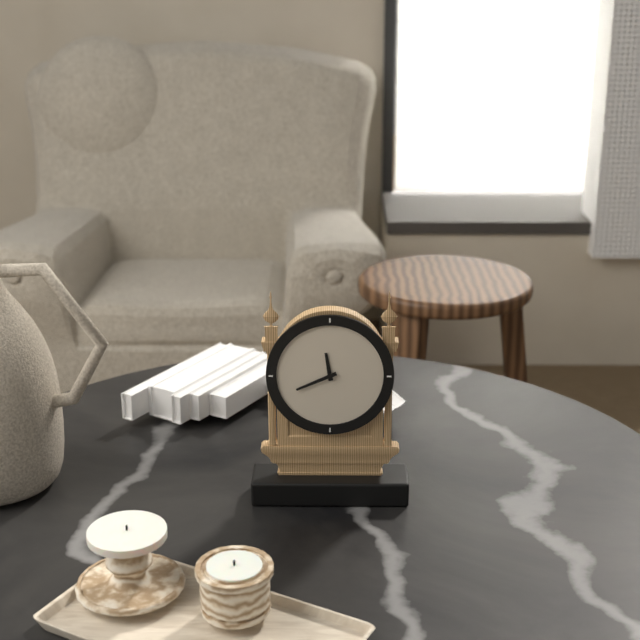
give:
11.41
